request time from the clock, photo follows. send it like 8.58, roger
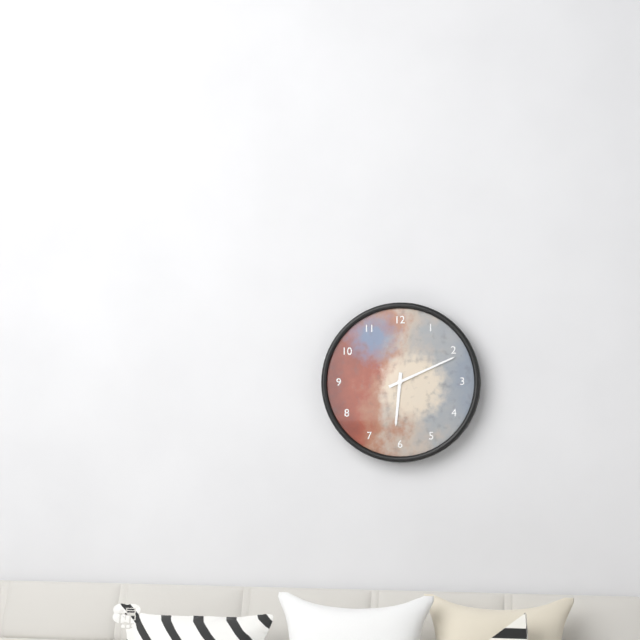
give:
6.11
